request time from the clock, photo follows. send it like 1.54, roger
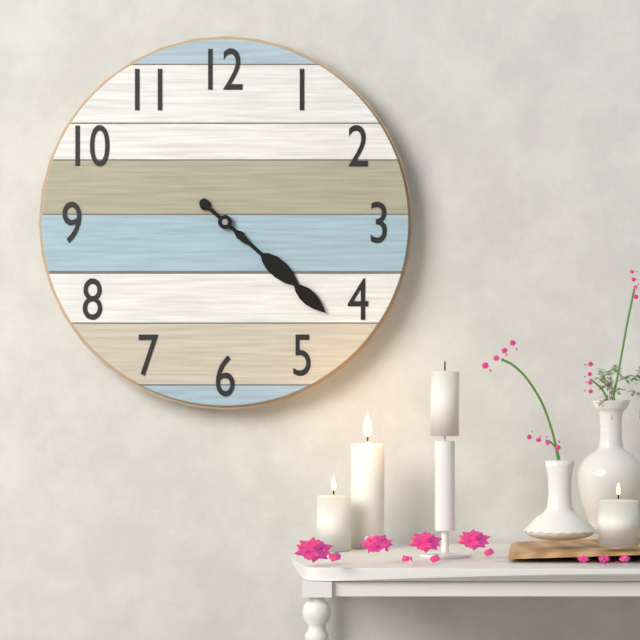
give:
4.22
